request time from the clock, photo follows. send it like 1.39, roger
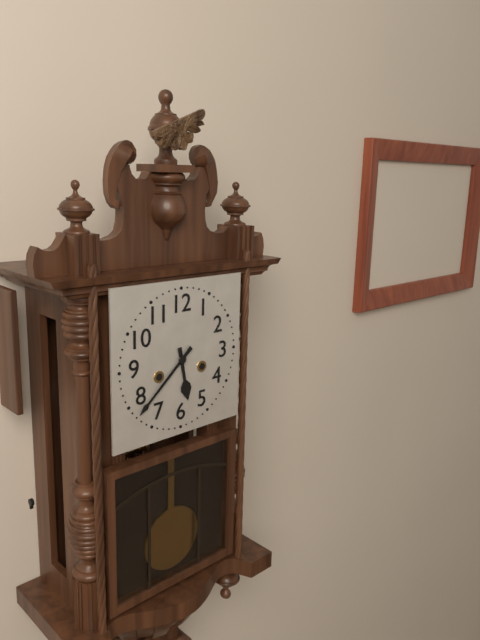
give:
5.38
